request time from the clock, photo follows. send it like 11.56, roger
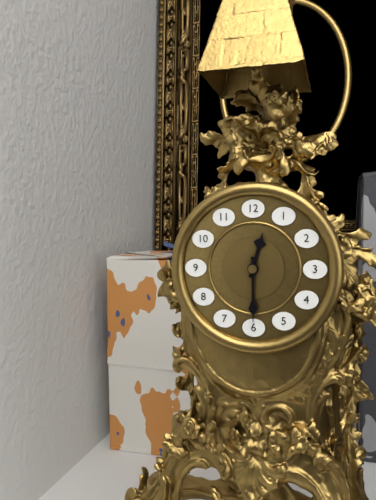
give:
12.30
